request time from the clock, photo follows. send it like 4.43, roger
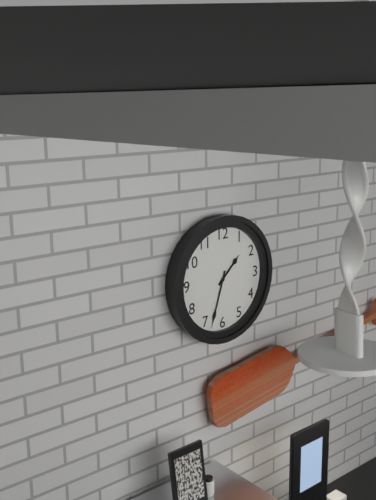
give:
1.33
